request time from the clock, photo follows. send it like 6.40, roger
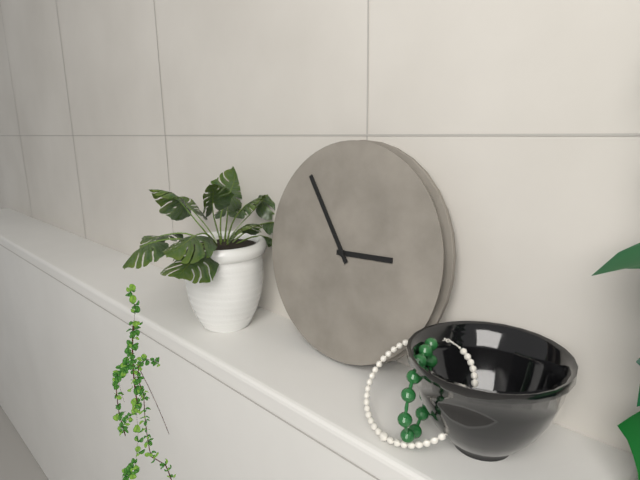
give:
2.54
